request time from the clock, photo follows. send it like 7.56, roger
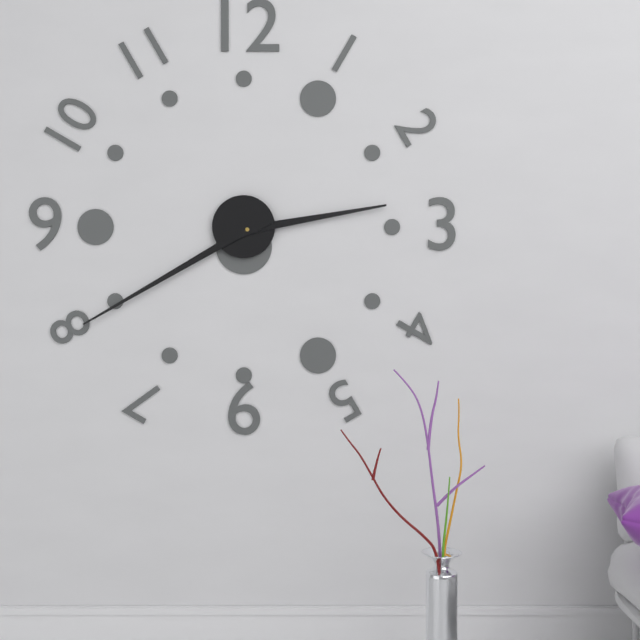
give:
2.40
